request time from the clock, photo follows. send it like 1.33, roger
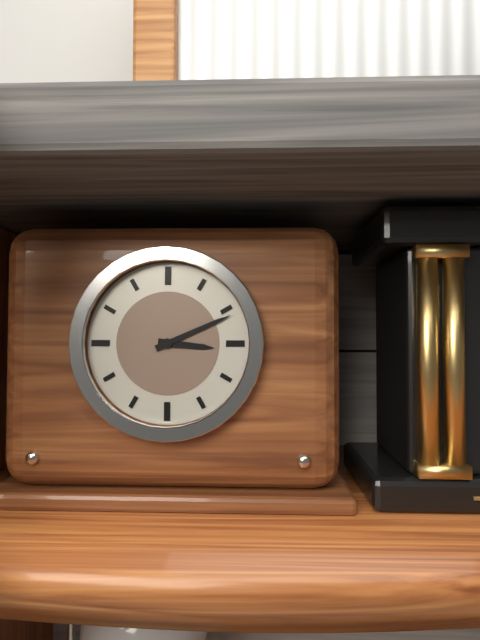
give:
3.11
